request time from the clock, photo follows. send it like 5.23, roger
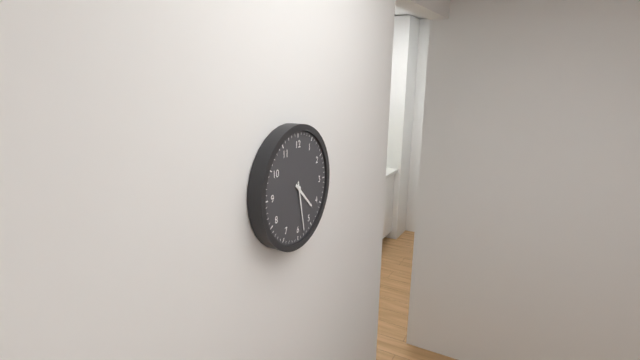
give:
4.28
